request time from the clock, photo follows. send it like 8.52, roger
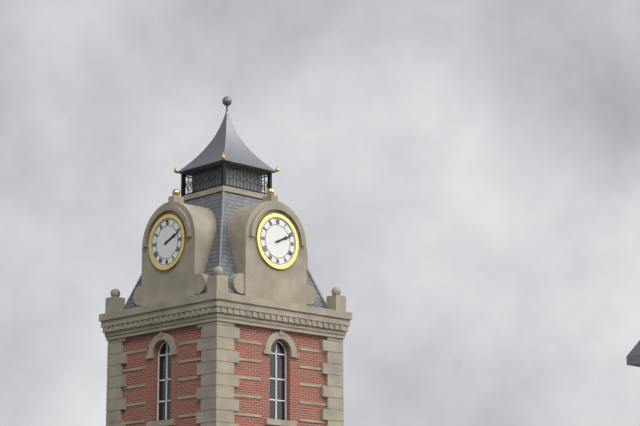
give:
2.11
